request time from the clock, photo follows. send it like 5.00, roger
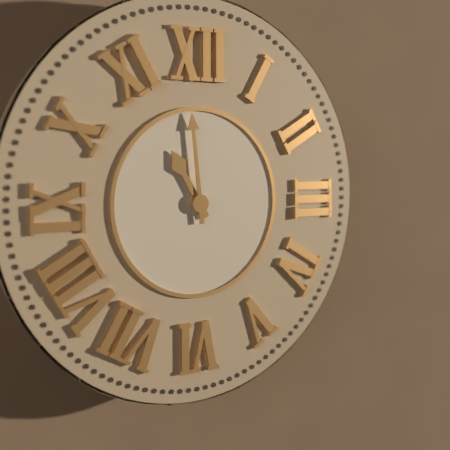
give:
10.59
